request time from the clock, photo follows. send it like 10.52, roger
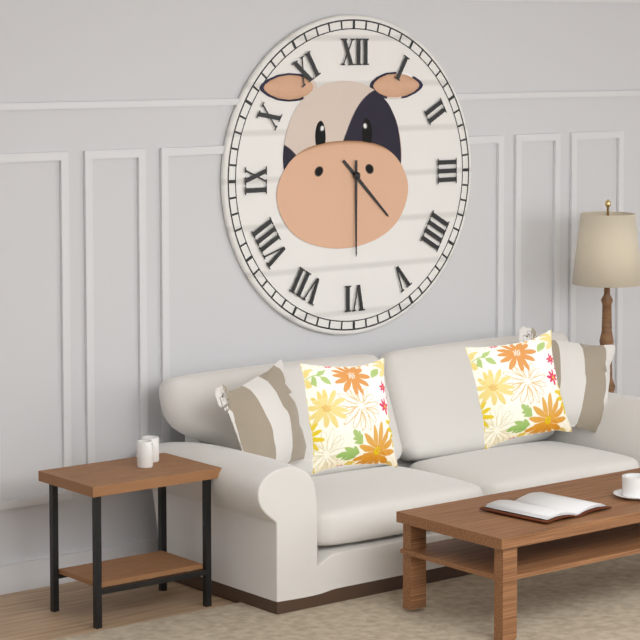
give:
4.30
